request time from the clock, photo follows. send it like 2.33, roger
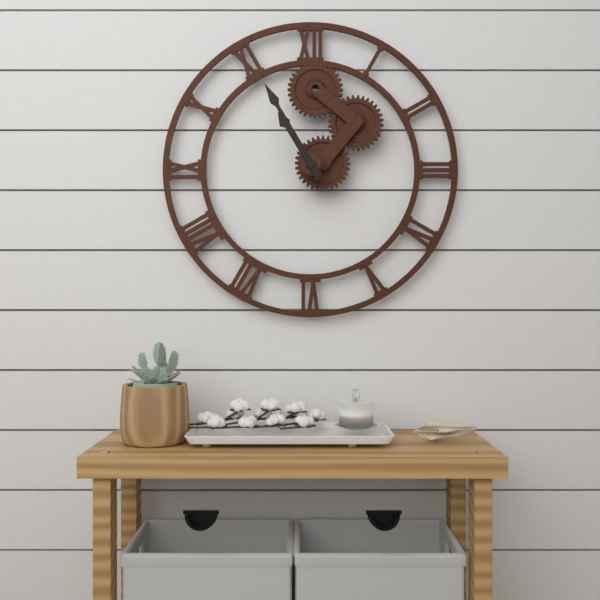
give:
10.55
